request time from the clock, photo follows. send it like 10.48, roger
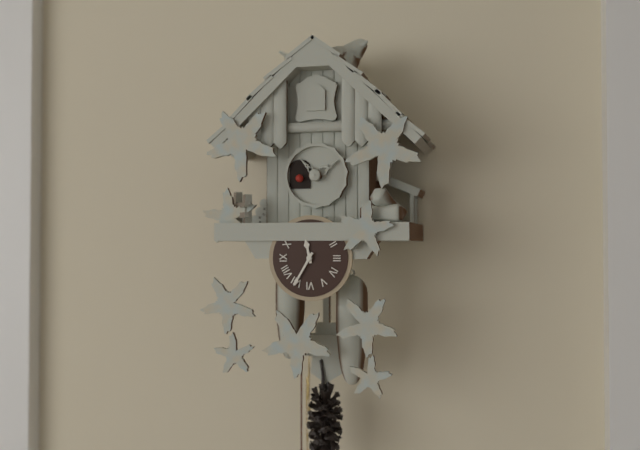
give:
11.35
